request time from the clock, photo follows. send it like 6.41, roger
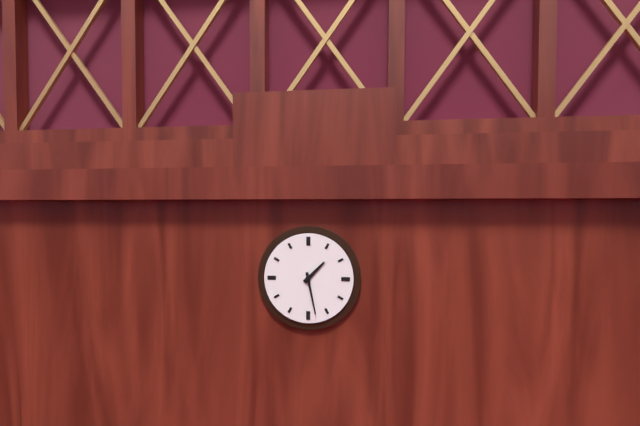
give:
1.28
